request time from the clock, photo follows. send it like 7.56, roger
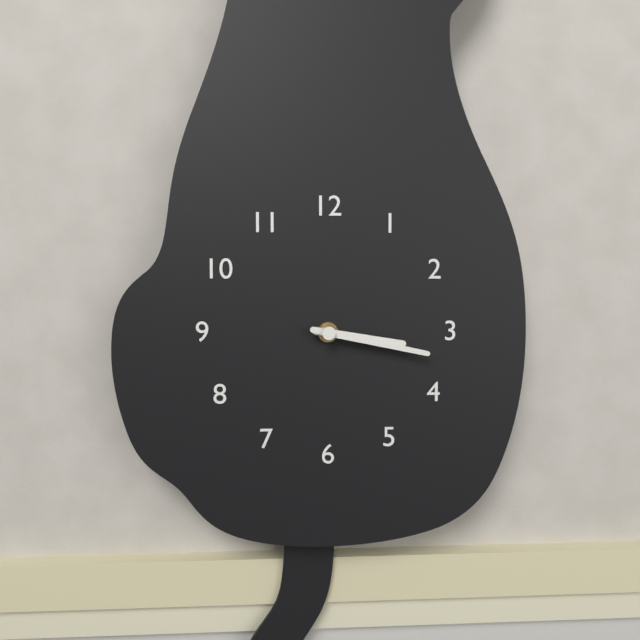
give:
3.17
